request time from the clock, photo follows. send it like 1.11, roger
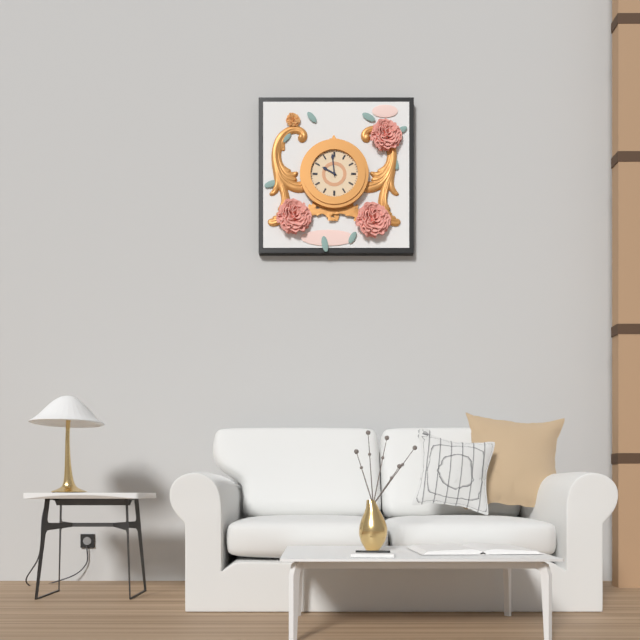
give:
9.59
